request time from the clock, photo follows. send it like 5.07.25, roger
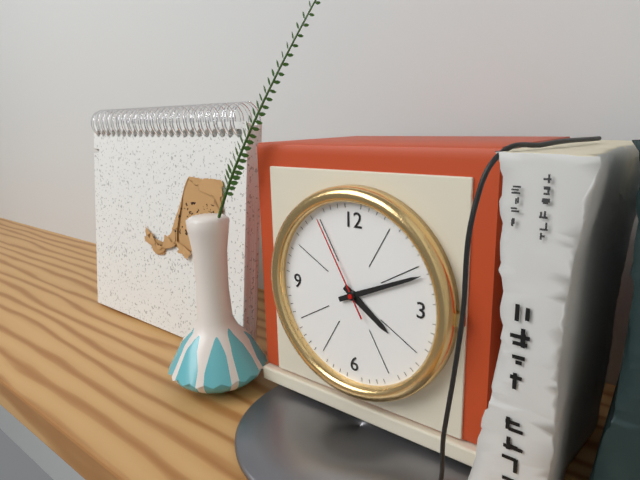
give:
4.11.55
